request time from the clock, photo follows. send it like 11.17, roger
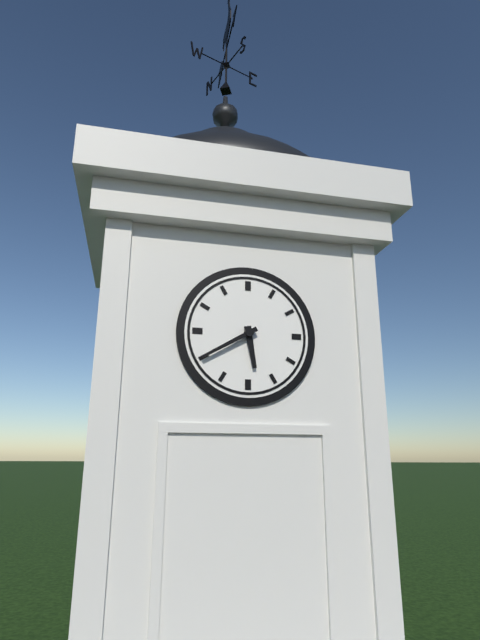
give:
5.40
